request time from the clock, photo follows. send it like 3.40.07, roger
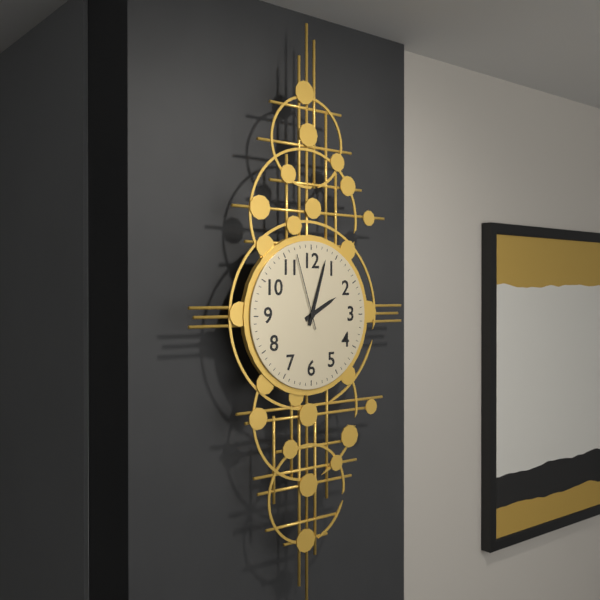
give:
2.03.57
